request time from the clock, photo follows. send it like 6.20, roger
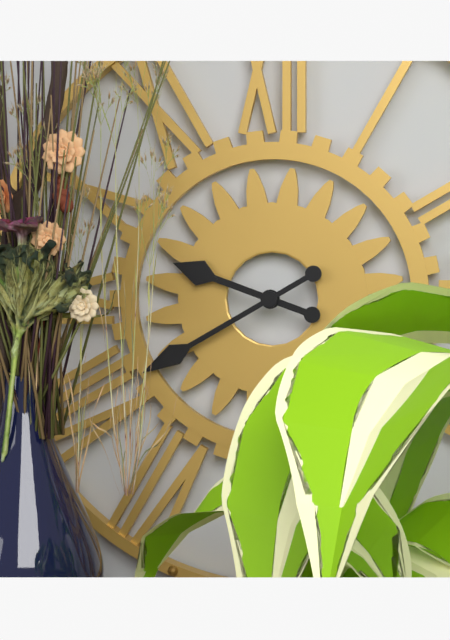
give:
9.40
